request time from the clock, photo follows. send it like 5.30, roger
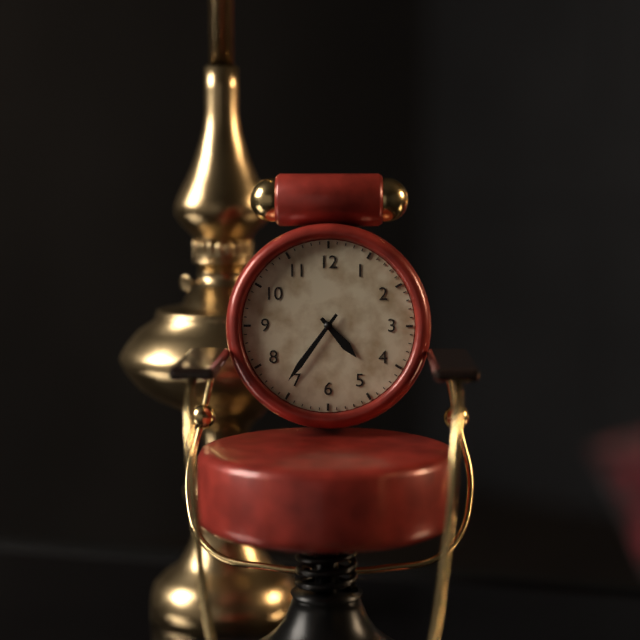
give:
4.36
